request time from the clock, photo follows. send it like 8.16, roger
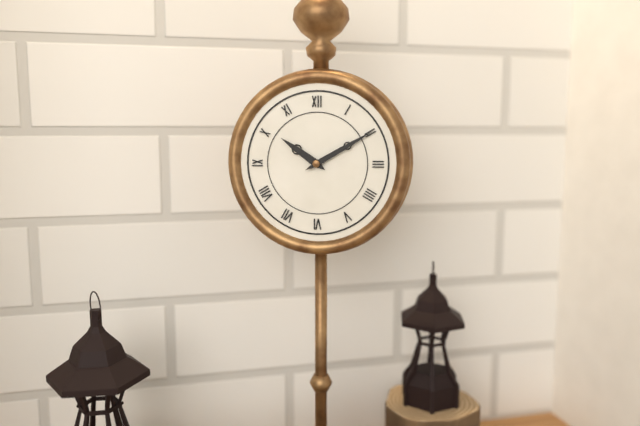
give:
10.10
